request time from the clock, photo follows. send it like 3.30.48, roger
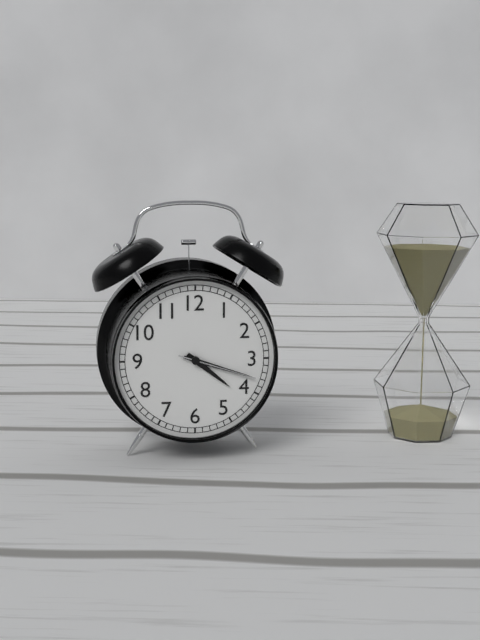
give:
4.18.18
